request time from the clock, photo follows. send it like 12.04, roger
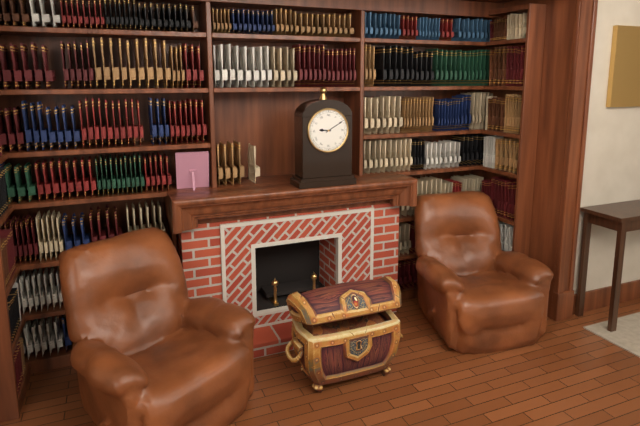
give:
9.10
